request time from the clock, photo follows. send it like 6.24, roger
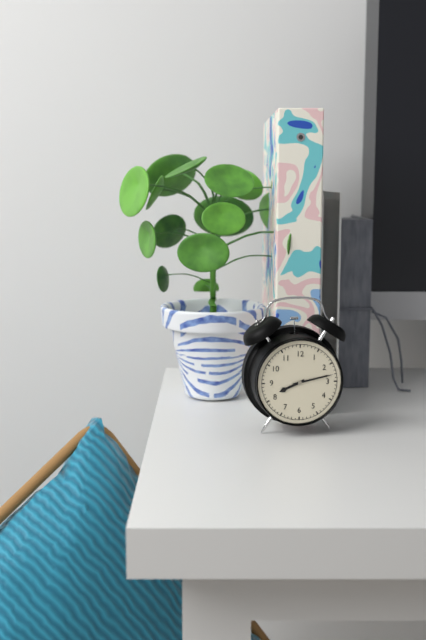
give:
8.13
